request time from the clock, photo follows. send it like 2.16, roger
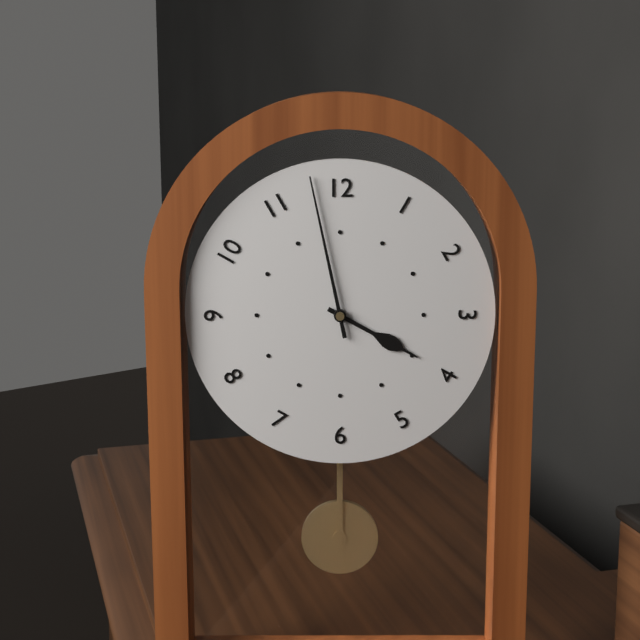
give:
3.58
